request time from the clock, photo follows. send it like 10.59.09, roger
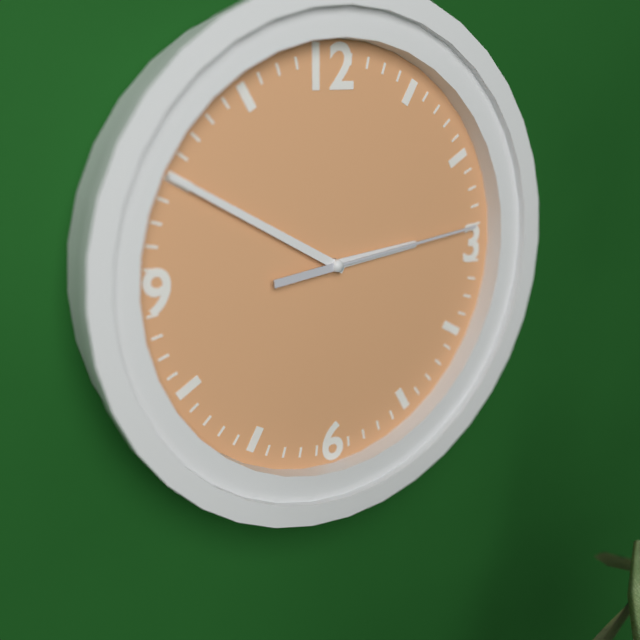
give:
2.50.14
